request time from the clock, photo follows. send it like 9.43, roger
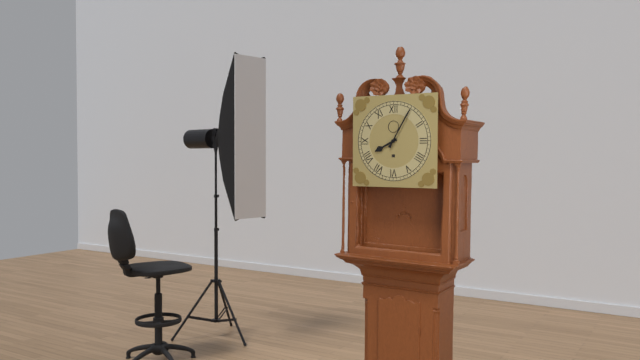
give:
8.05
